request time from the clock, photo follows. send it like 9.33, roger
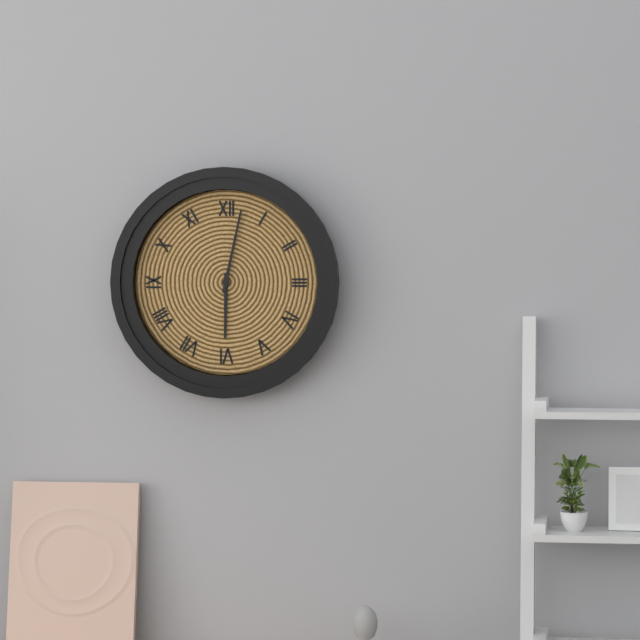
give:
6.02
